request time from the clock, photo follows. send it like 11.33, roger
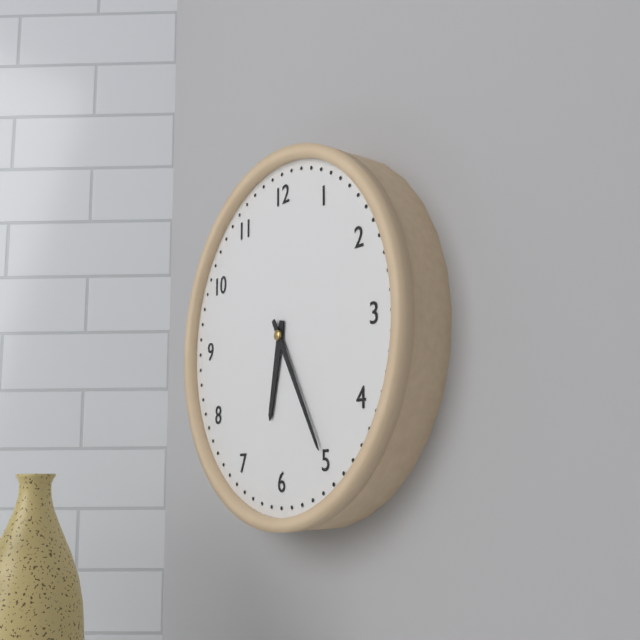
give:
6.25
